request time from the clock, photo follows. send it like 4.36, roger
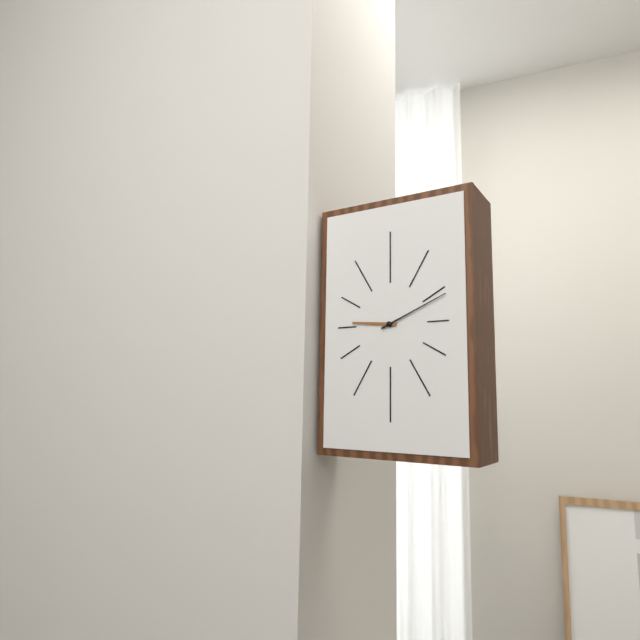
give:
9.11
